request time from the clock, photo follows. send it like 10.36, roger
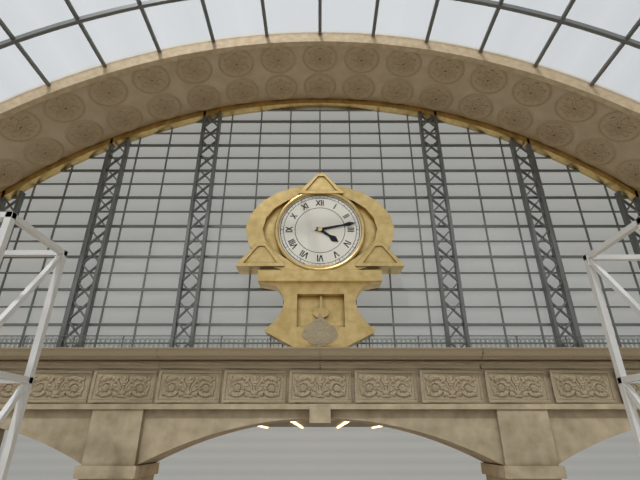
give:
4.13
